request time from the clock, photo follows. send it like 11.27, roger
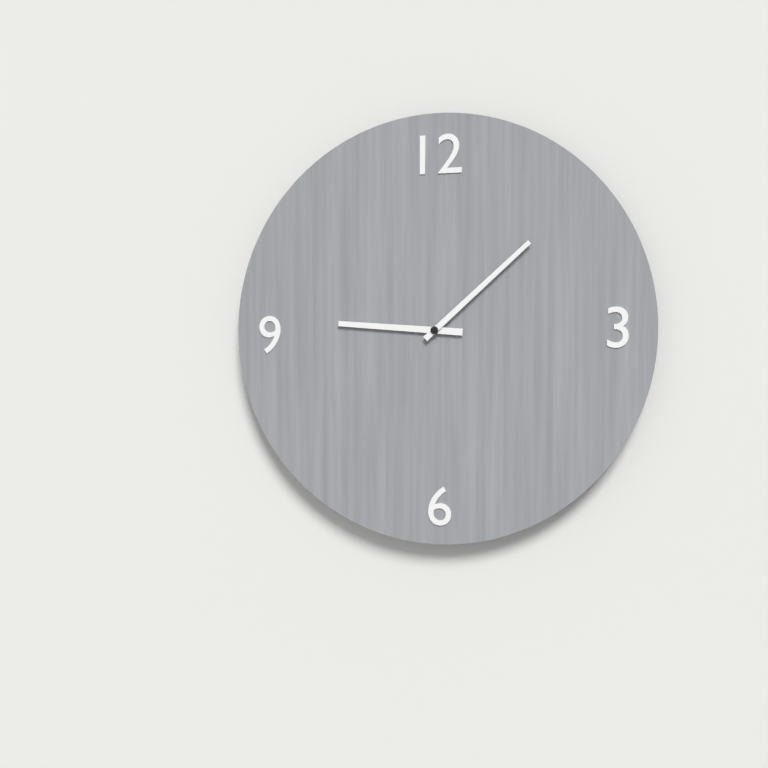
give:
9.08
